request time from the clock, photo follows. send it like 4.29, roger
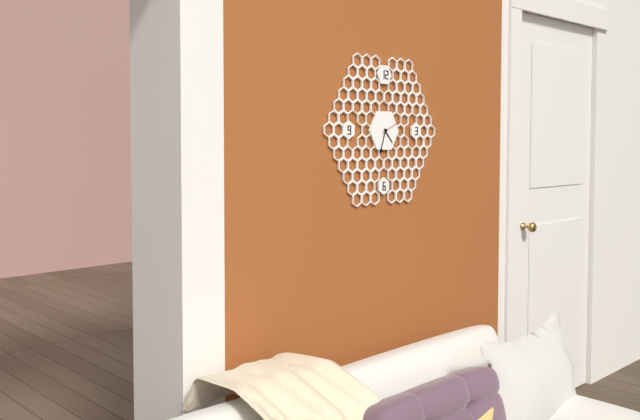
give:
4.33
